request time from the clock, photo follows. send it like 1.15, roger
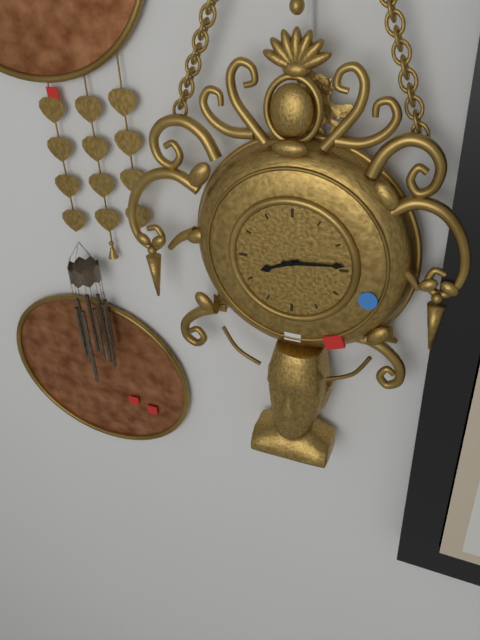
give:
8.14
